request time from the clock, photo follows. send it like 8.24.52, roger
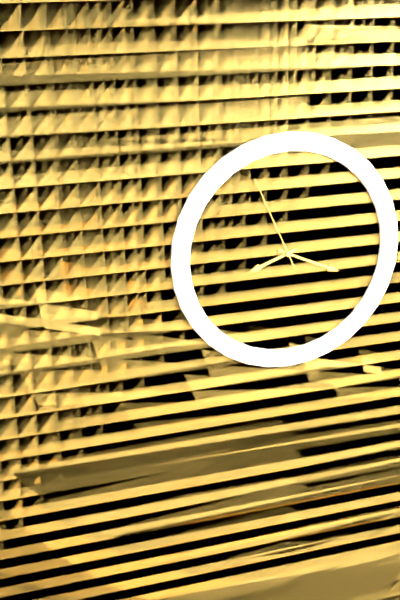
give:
8.19.56
